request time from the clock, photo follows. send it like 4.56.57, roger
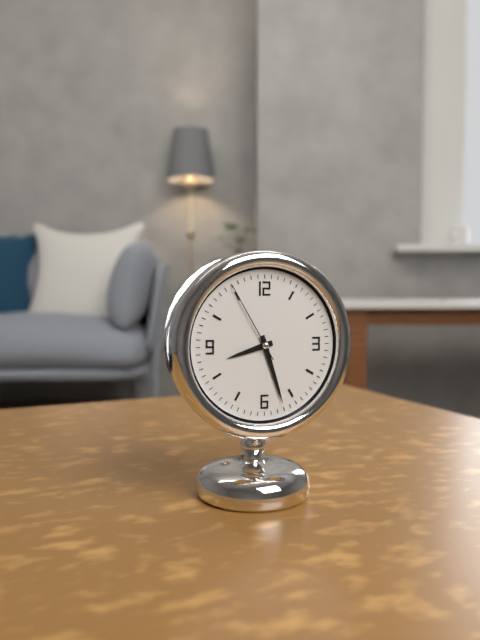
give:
8.27.55
